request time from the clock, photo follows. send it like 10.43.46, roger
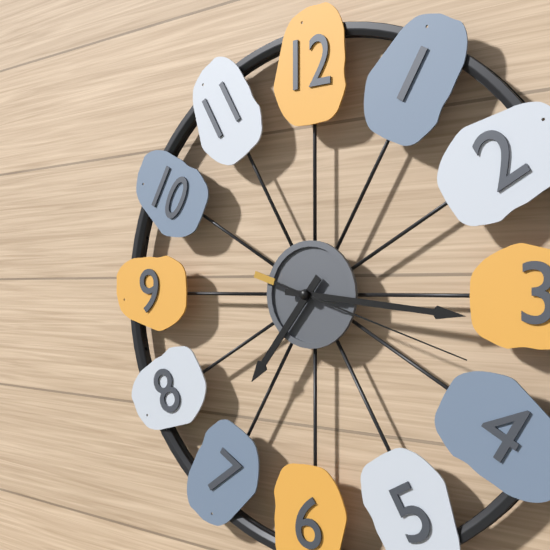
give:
7.16.18
